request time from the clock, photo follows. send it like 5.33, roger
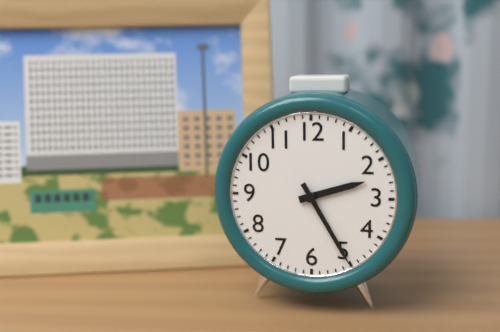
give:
2.25
